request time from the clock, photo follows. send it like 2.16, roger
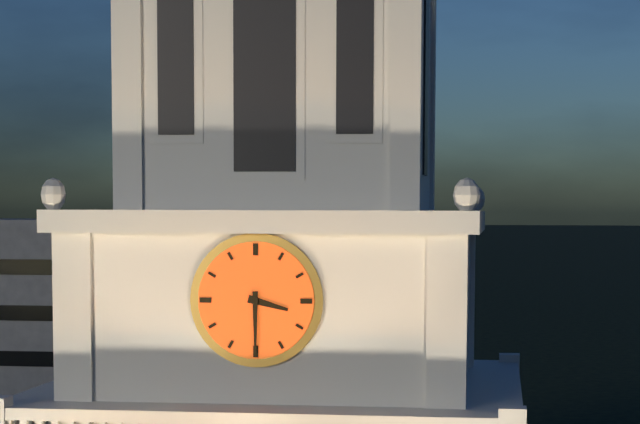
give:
3.30
